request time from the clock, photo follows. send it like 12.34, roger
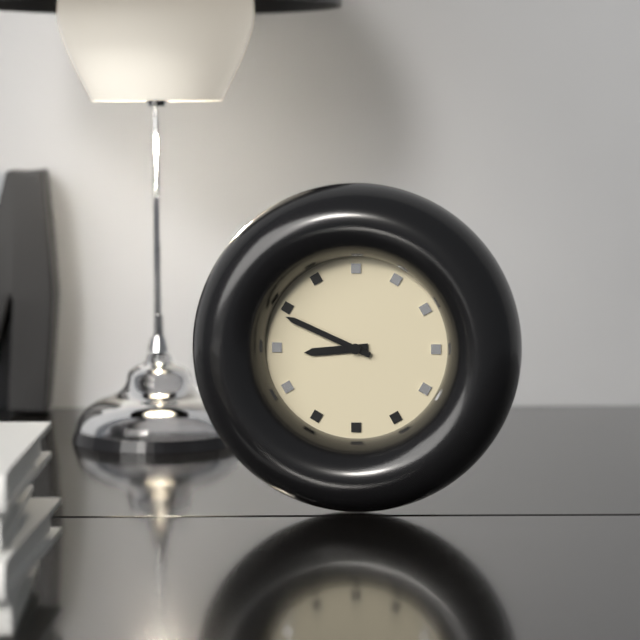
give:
8.49
